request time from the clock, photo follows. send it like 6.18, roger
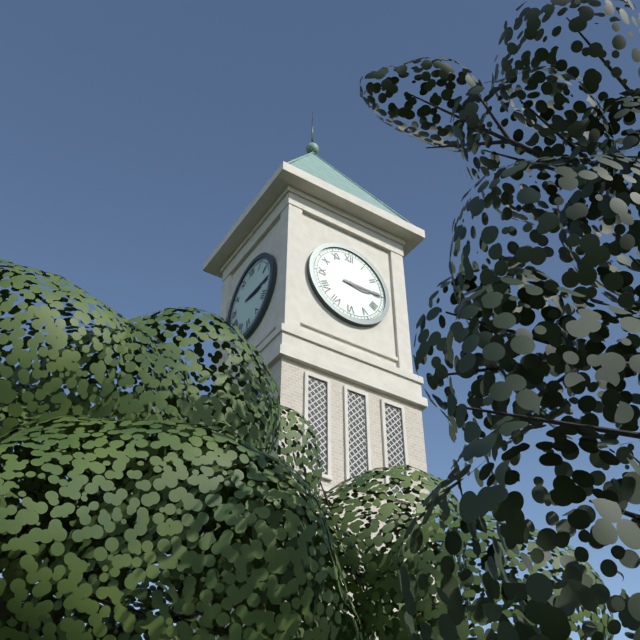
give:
3.15
